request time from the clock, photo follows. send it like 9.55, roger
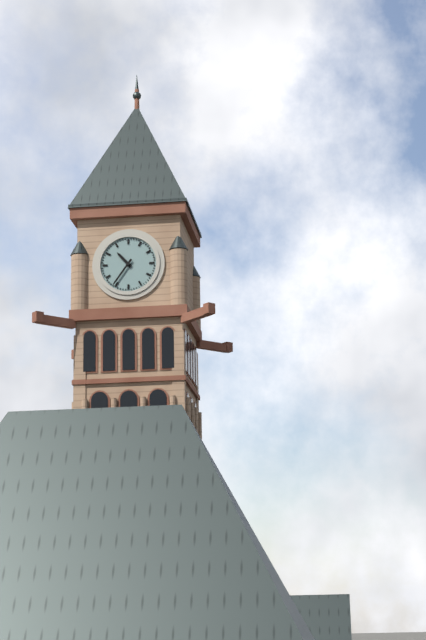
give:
10.36
